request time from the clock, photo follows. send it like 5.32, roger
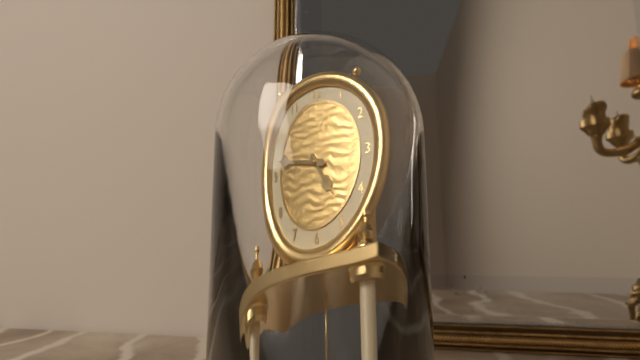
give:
4.47
